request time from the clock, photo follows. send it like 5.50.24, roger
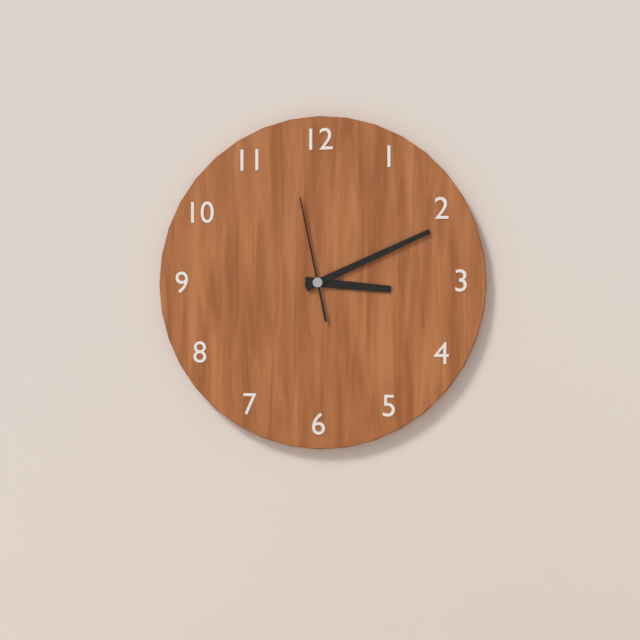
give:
3.11.58
